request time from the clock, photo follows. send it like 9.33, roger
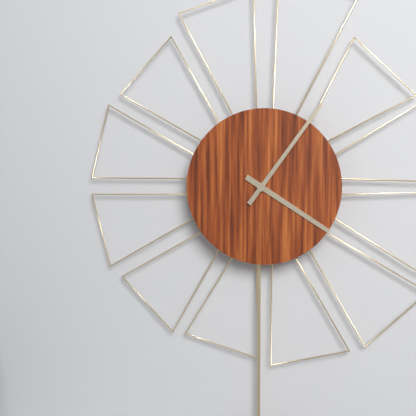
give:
4.06
